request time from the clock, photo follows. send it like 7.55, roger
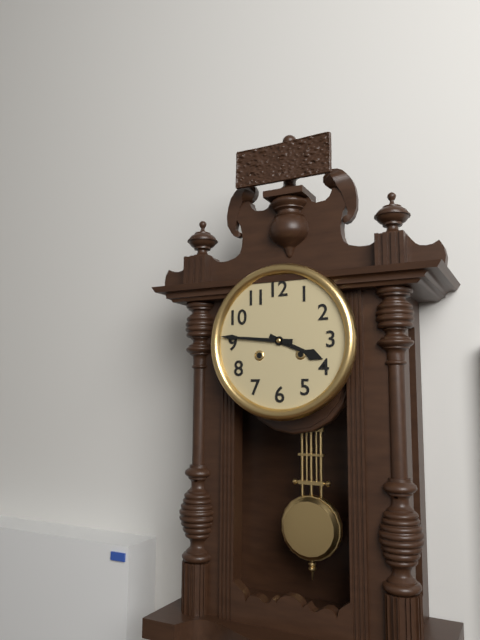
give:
3.46
